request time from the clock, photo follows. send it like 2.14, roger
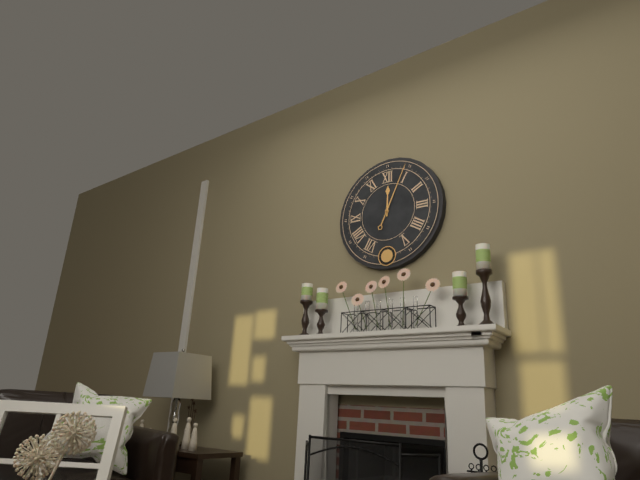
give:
12.04
